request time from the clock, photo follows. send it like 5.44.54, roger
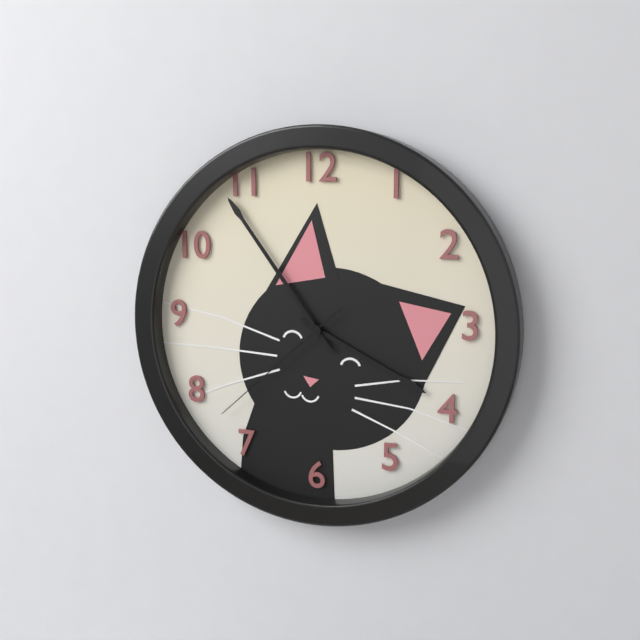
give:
3.54.38
